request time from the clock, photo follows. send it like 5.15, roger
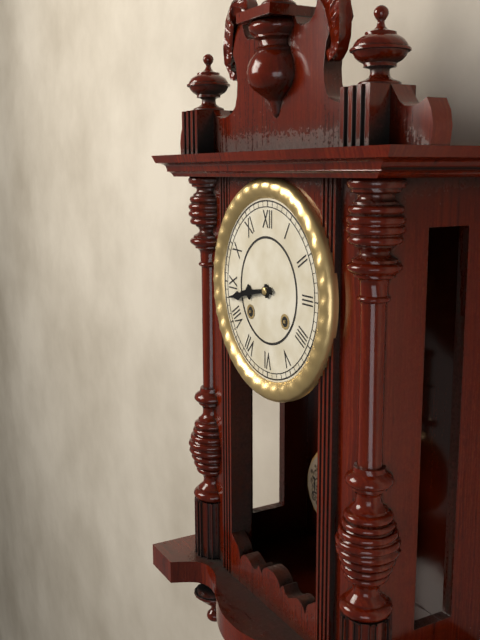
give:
8.43
